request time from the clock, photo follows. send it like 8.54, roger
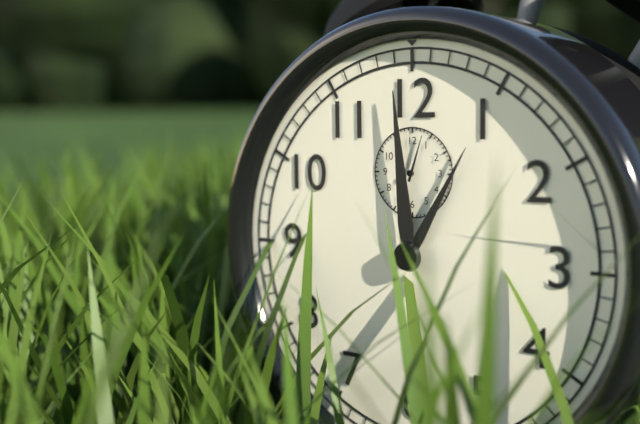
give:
12.59
